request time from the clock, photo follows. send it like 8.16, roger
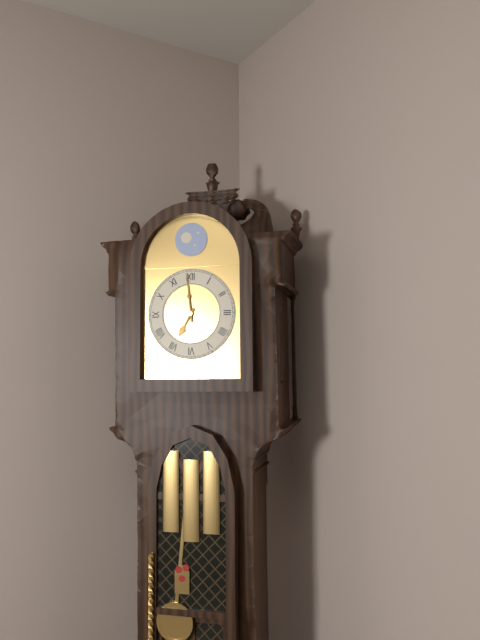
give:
6.59
